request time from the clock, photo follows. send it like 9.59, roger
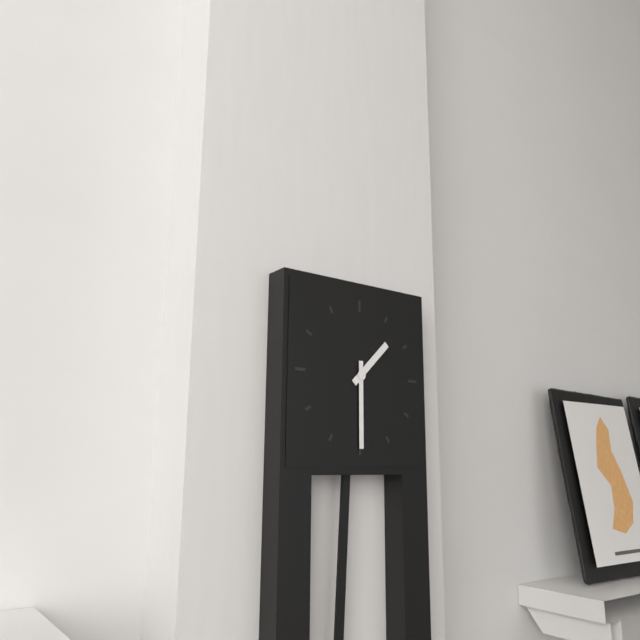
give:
1.30
